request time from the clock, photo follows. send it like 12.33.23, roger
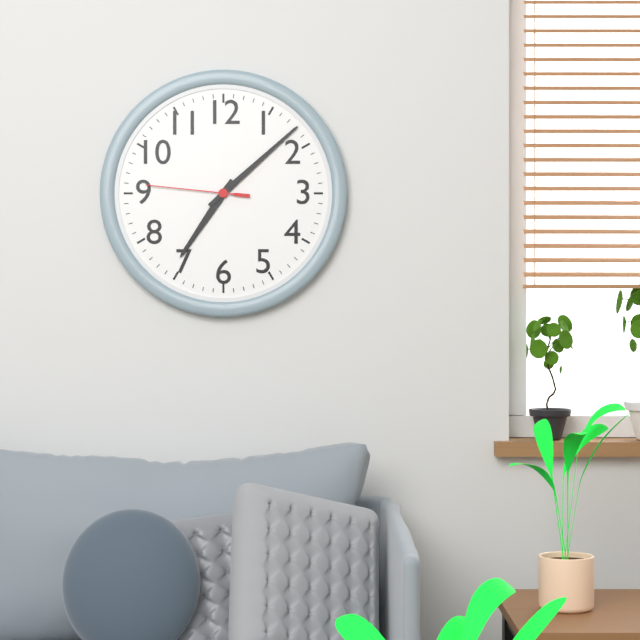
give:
7.08.46
